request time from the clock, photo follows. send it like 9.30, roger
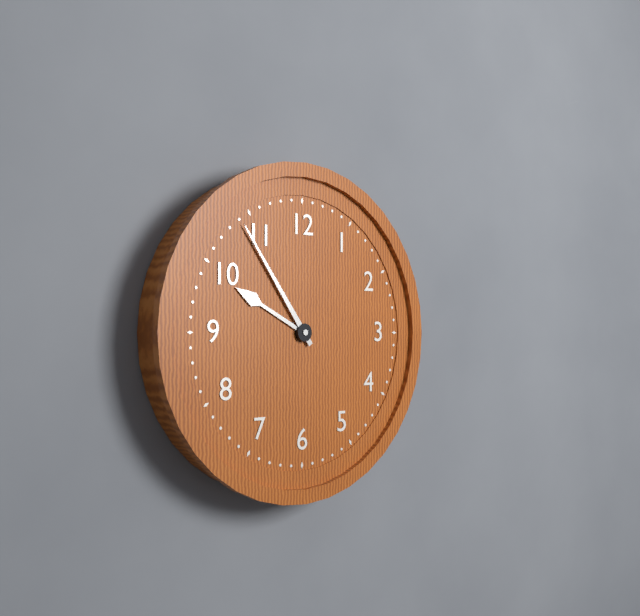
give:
9.54
